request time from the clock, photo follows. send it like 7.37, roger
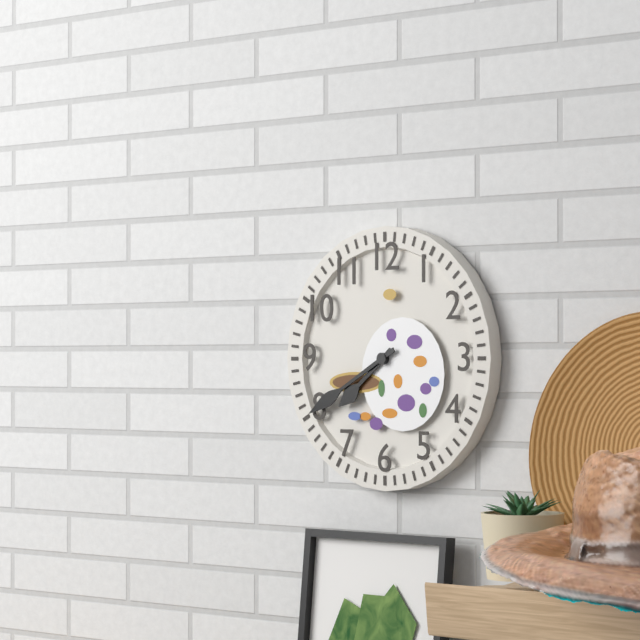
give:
7.40
